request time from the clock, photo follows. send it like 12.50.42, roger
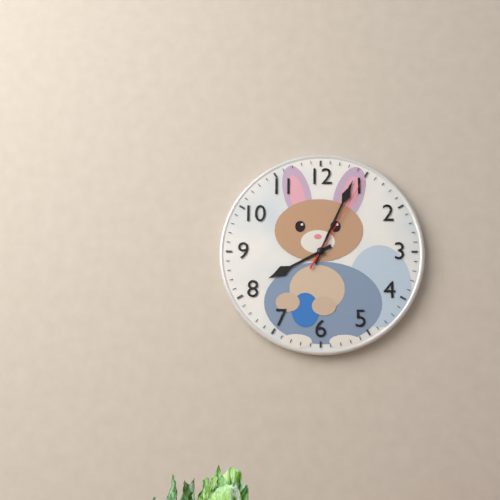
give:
8.04.05
